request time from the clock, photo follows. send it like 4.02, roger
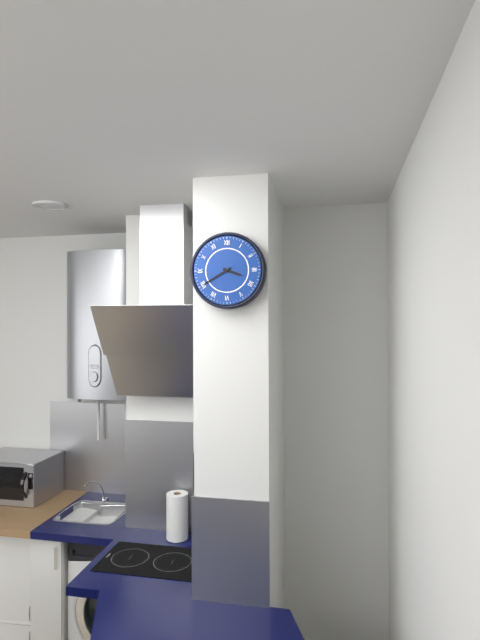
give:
3.40
